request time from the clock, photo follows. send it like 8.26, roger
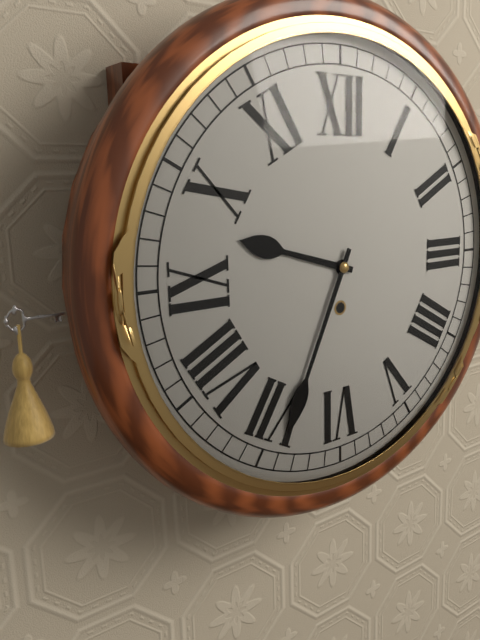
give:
9.34
